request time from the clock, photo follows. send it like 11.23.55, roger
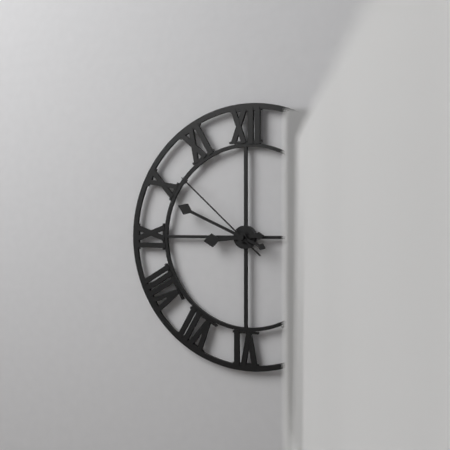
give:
8.49.52
